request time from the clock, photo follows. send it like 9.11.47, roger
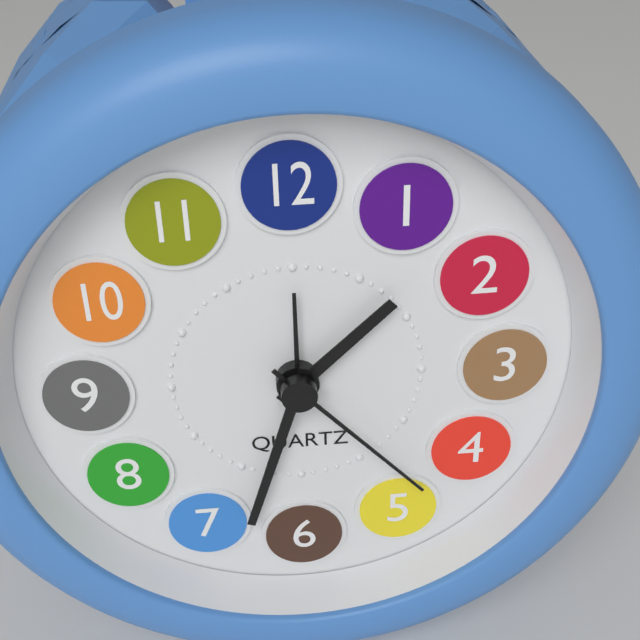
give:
1.33.23
